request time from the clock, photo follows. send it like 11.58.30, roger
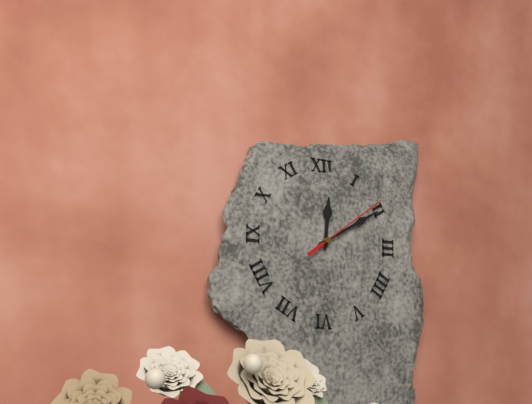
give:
12.10.09
